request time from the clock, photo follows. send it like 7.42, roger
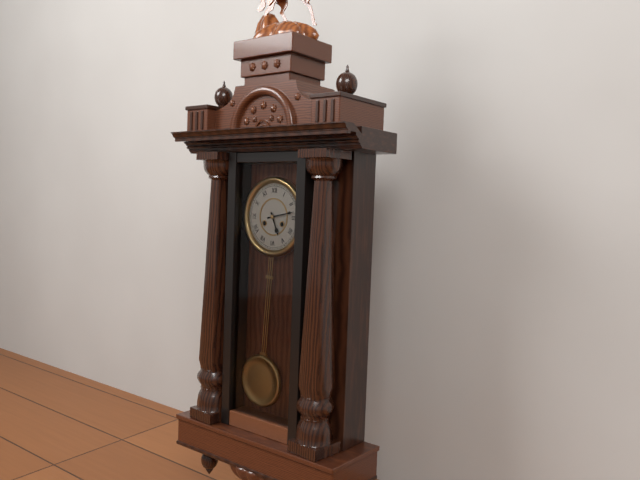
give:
5.13
